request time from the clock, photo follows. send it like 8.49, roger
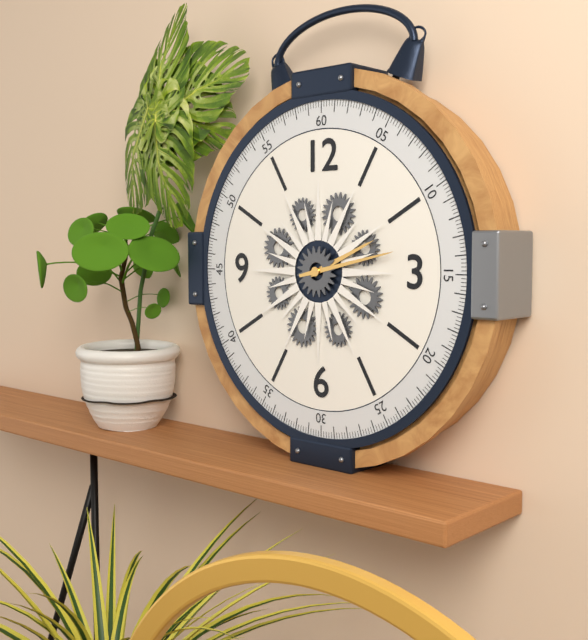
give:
2.13
